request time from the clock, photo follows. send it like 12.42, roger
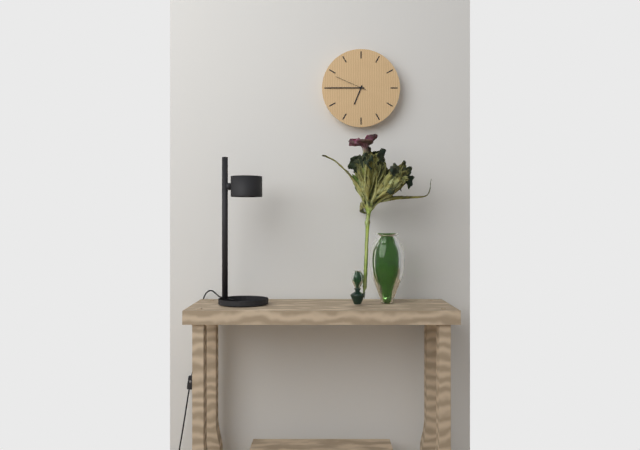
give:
6.45
